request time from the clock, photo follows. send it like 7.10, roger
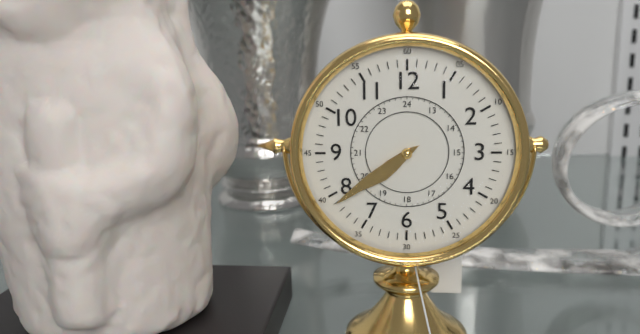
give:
7.39
